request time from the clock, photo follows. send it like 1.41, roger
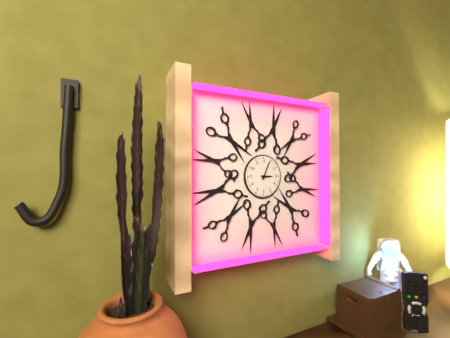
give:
3.04
